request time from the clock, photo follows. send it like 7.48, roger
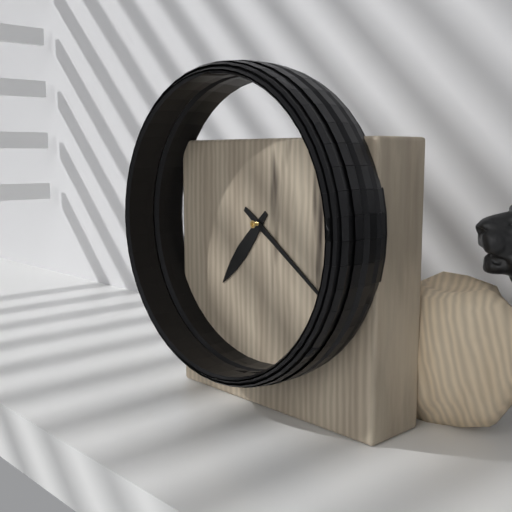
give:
7.21
